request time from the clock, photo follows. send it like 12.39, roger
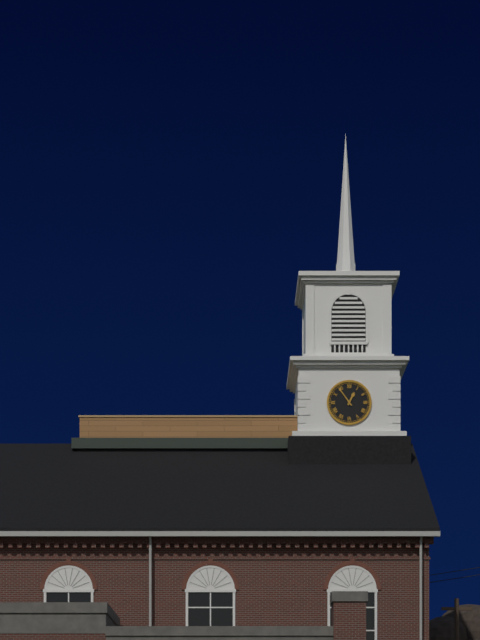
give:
12.54
